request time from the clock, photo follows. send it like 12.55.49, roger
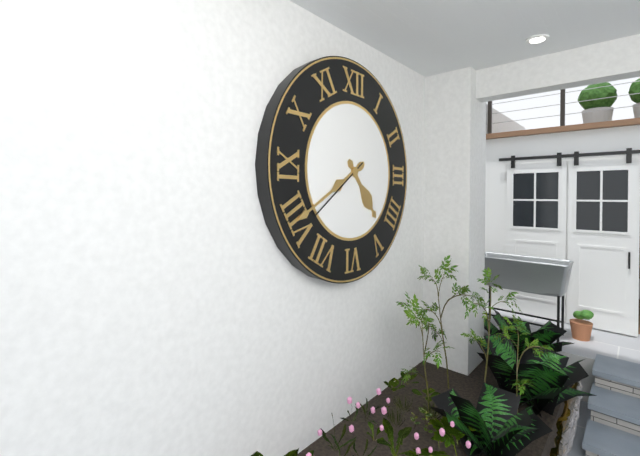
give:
4.40.39
